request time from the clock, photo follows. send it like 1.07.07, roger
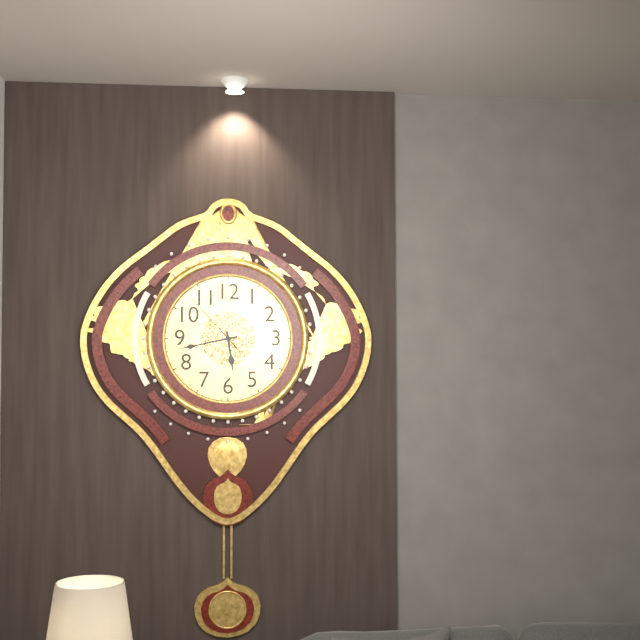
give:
5.43.53
